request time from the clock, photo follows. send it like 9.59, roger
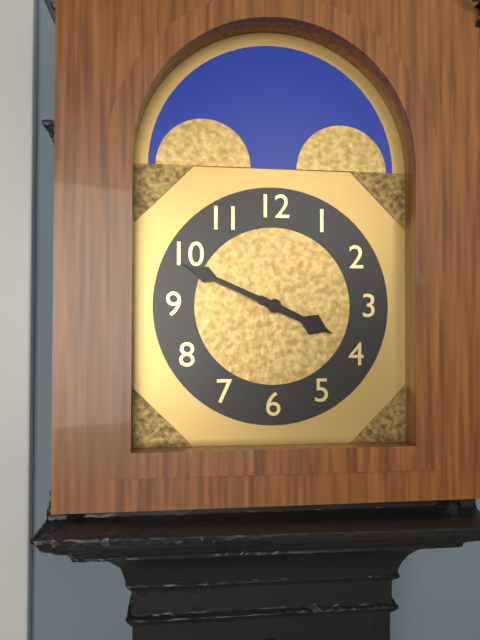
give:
3.49
